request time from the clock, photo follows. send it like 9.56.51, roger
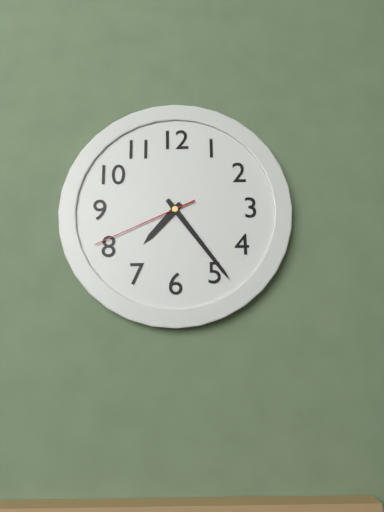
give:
7.24.41
